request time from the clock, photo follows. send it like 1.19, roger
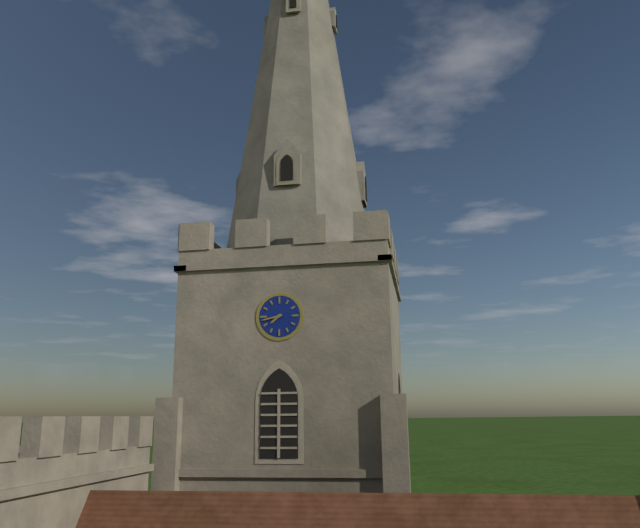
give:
7.43
